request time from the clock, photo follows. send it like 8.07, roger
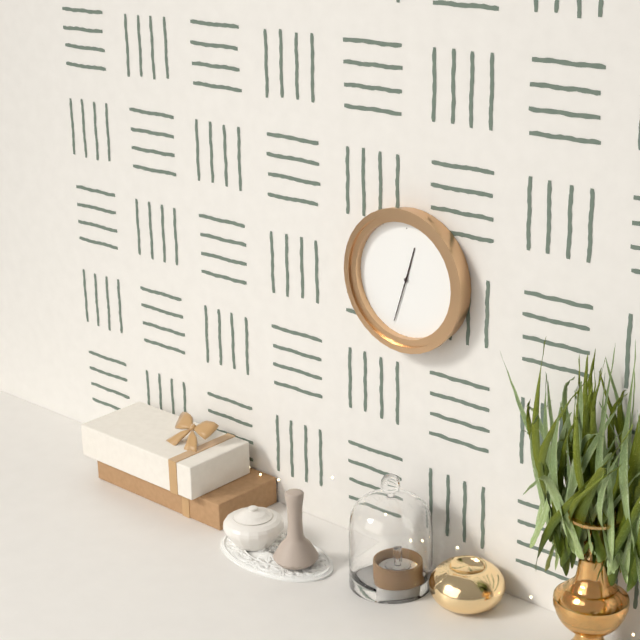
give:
12.33
